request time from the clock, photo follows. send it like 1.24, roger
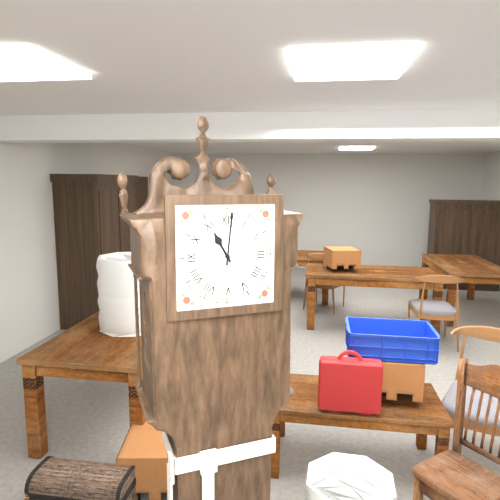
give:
11.01
